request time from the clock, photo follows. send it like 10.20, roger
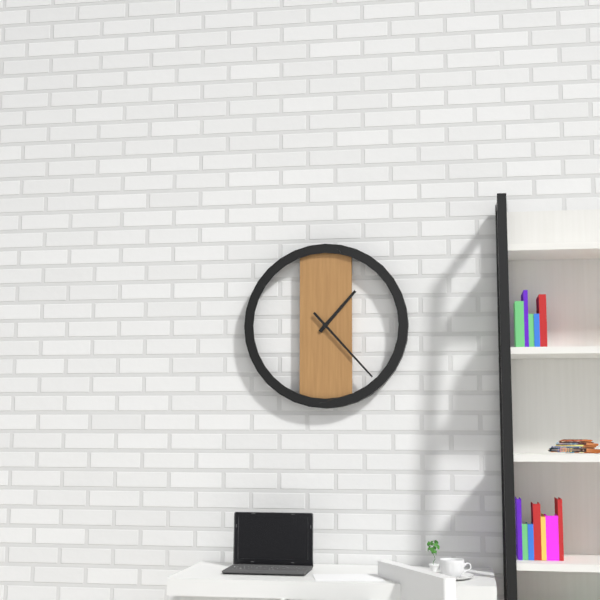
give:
1.23
